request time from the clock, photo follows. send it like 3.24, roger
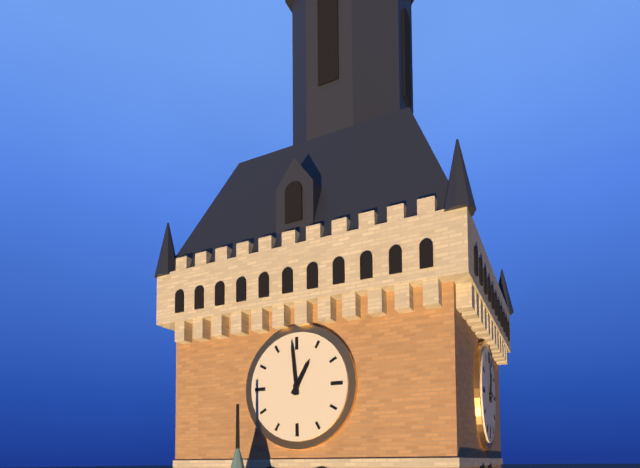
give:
12.59
